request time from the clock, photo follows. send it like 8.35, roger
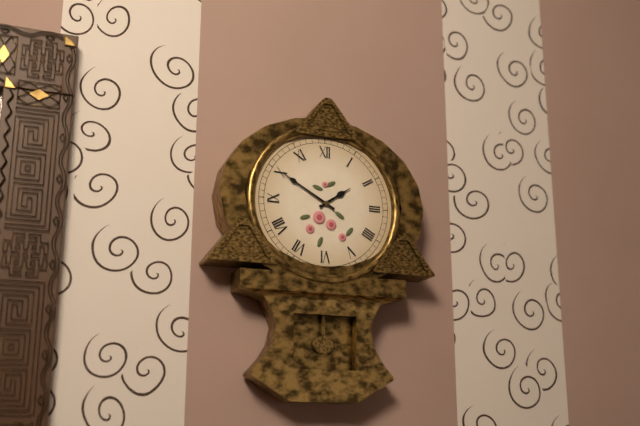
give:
1.50
